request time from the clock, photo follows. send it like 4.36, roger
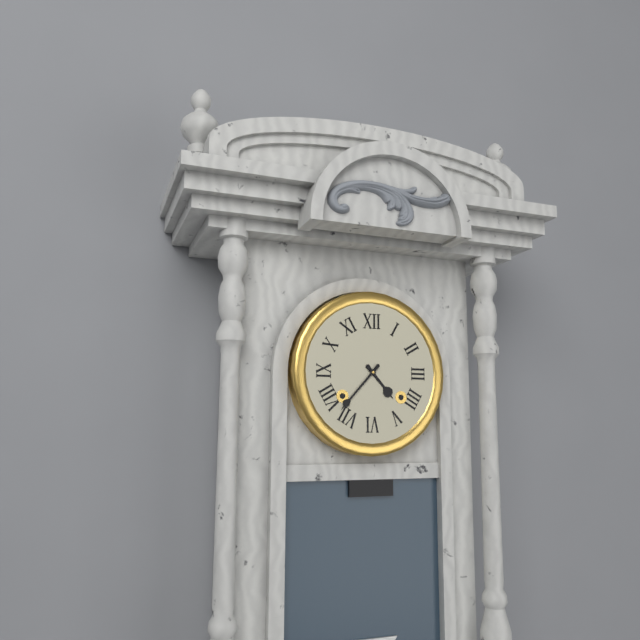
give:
4.37
